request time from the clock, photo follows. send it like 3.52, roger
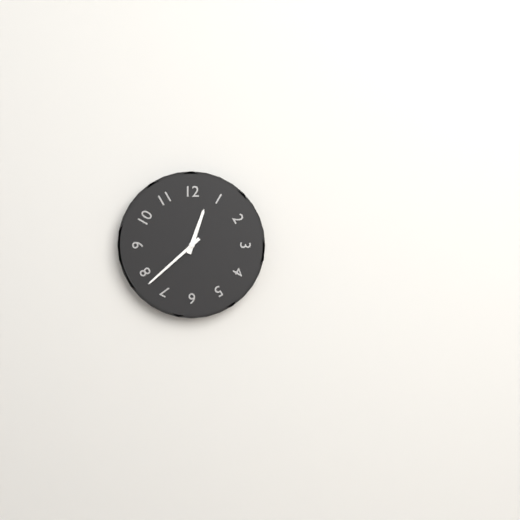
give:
12.38
